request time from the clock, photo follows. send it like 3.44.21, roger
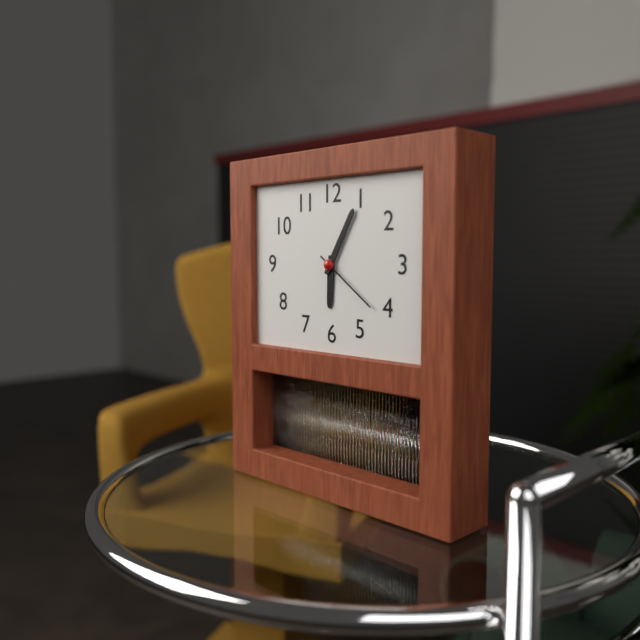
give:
6.05.21
